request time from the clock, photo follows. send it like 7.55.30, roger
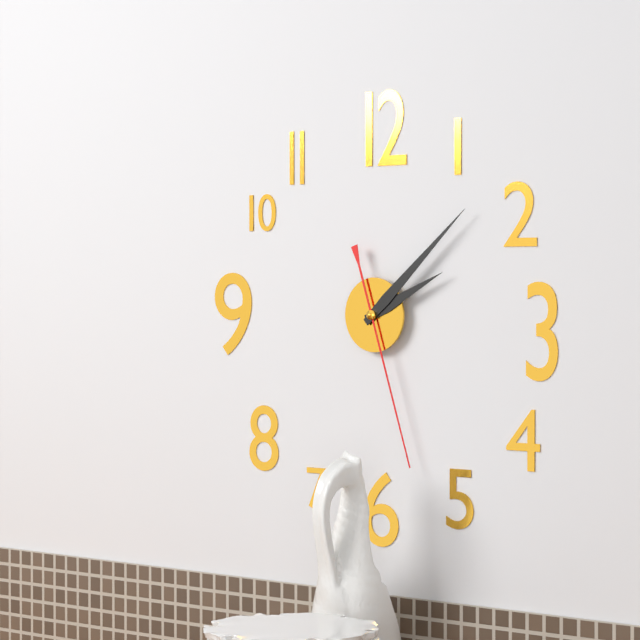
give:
2.08.27
